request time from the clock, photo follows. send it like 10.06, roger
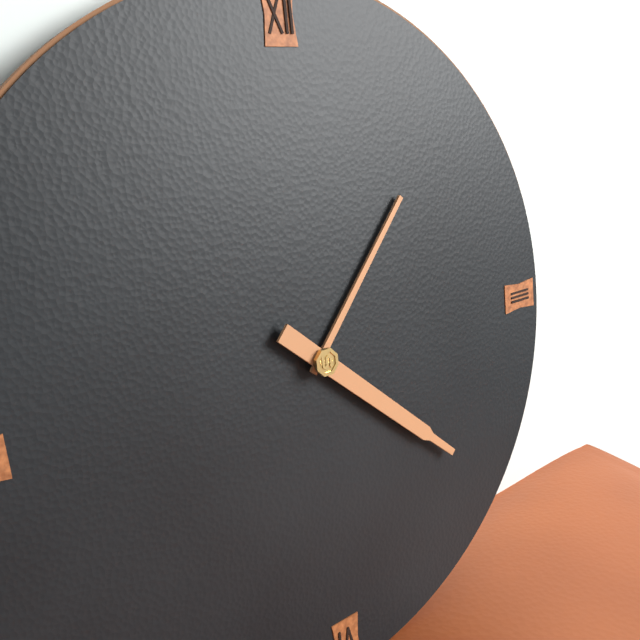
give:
1.22
